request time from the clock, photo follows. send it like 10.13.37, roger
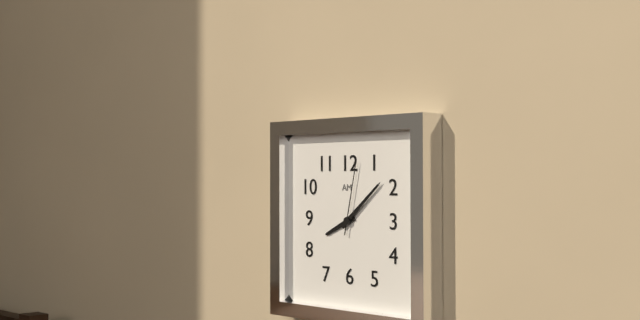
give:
8.08.02
